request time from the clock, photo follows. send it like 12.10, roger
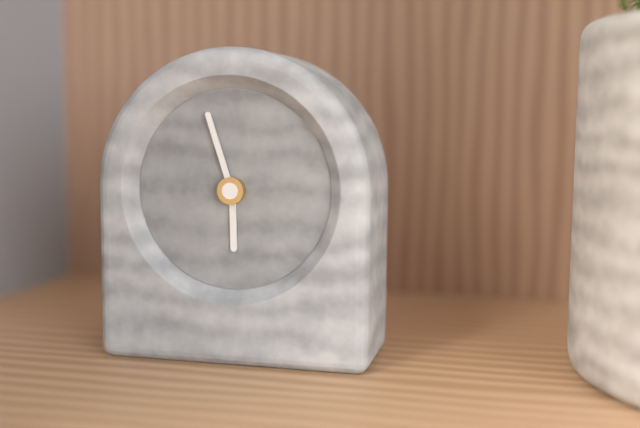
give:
5.57
